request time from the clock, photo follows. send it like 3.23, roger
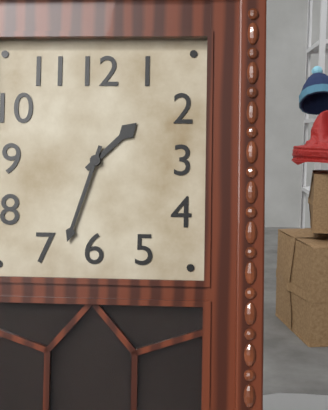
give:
1.33
